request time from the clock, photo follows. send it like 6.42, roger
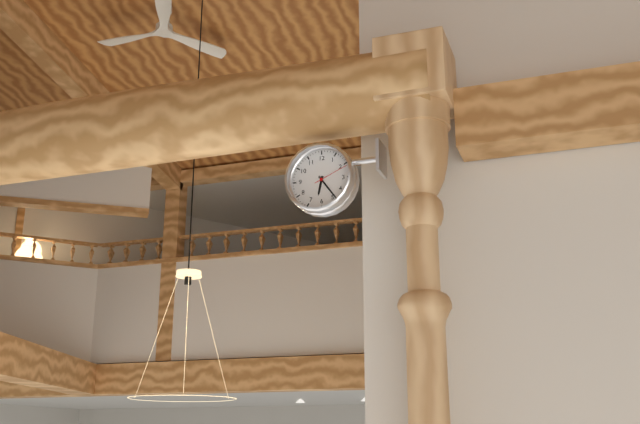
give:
6.24
